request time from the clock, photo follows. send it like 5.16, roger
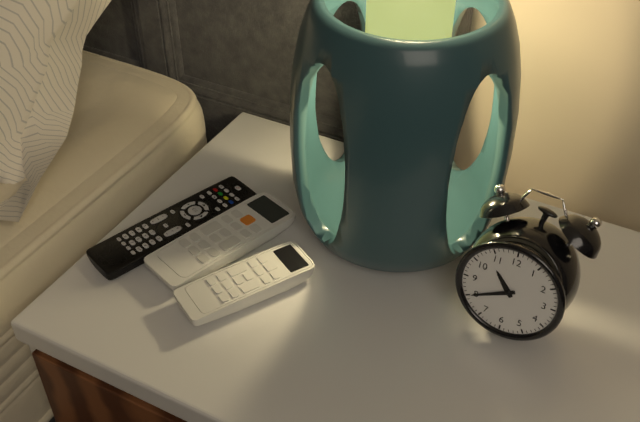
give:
10.40
